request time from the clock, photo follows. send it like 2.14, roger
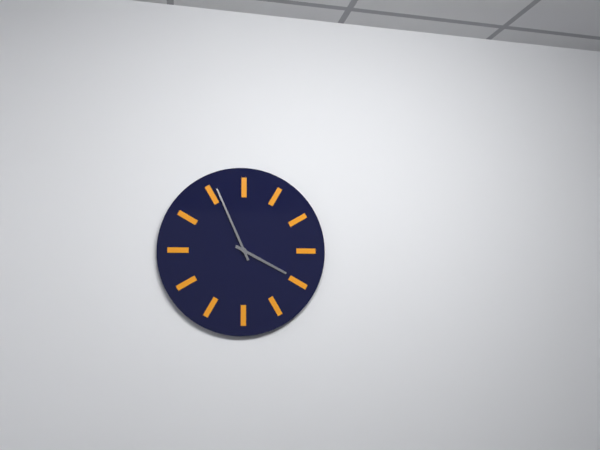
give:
3.56
